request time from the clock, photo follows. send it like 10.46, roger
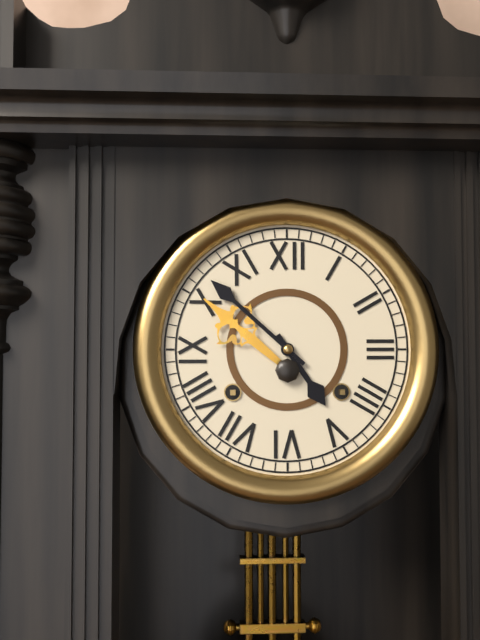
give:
4.52
